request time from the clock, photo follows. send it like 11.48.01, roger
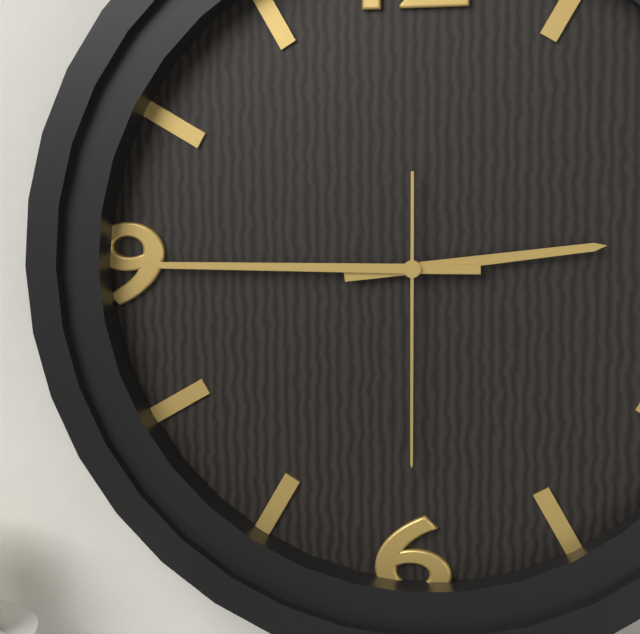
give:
2.45.30
